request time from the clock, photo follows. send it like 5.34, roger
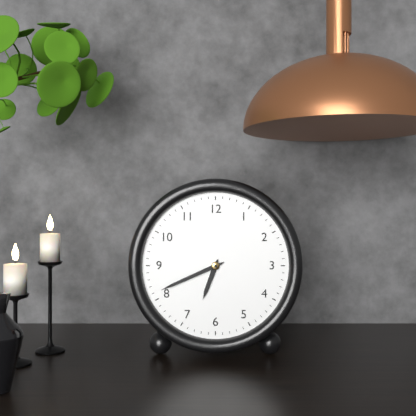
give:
6.41
